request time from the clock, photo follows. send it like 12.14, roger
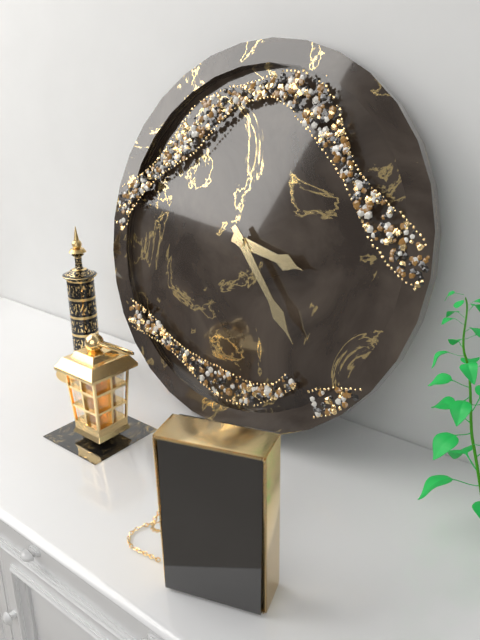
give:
3.23
